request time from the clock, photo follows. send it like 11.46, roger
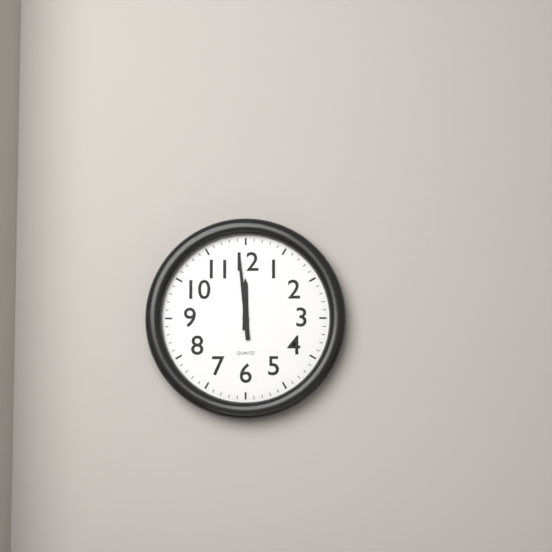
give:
11.59
